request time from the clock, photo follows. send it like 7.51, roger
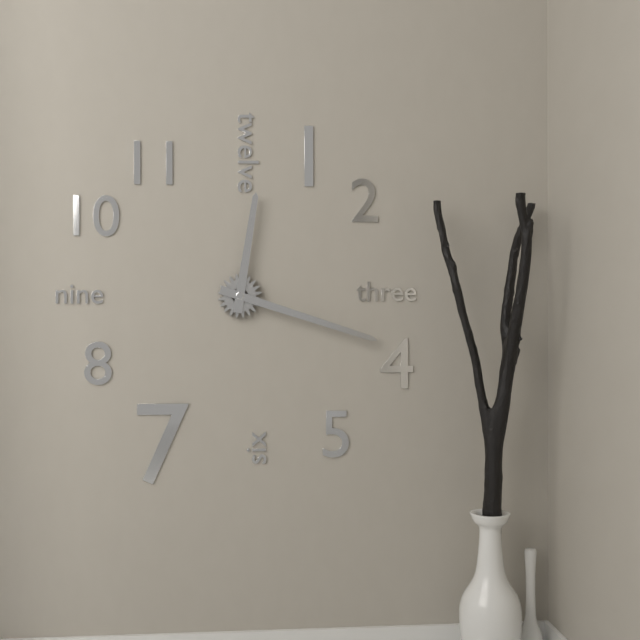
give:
12.18
